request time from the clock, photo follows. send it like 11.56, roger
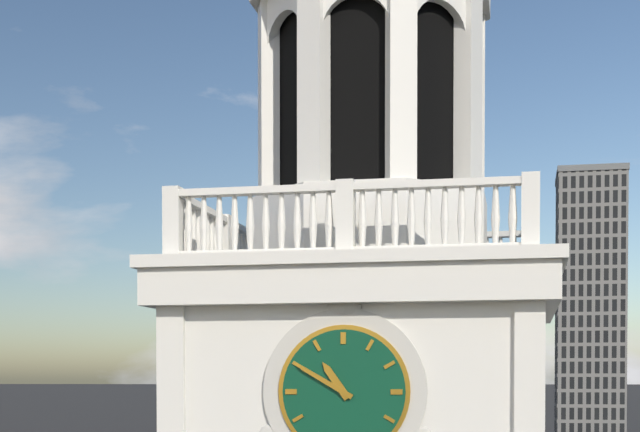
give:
10.50
